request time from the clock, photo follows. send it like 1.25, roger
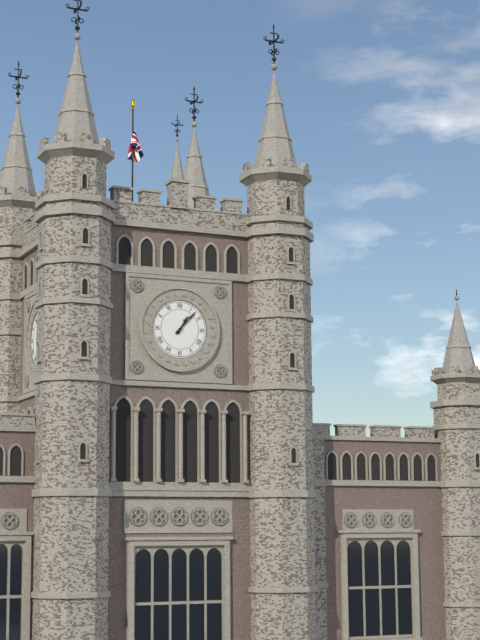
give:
1.07
